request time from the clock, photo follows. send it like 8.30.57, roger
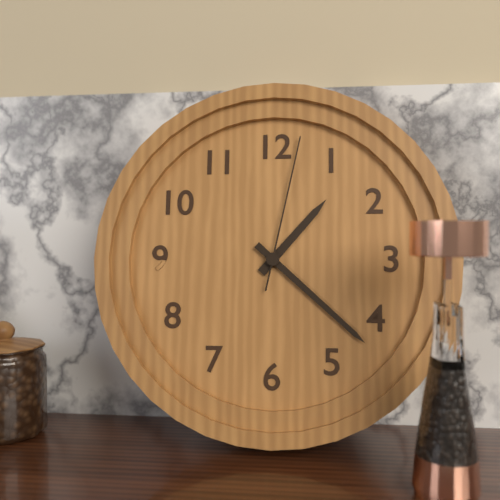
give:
1.22.02
